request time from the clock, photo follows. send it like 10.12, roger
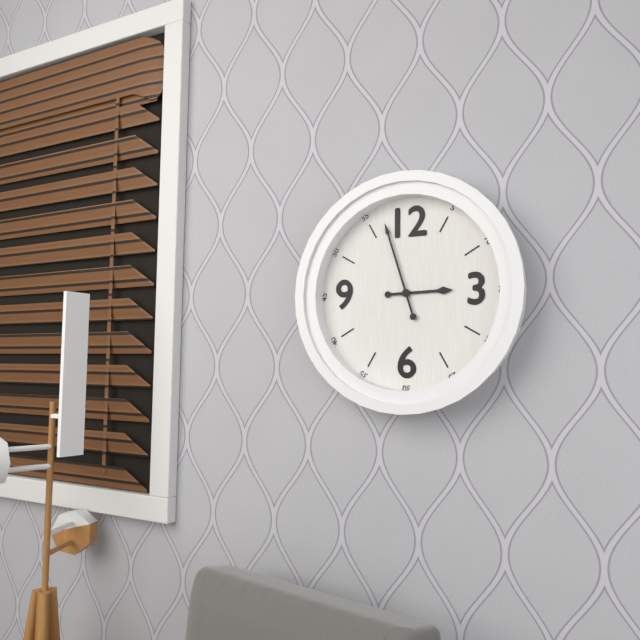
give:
2.57
